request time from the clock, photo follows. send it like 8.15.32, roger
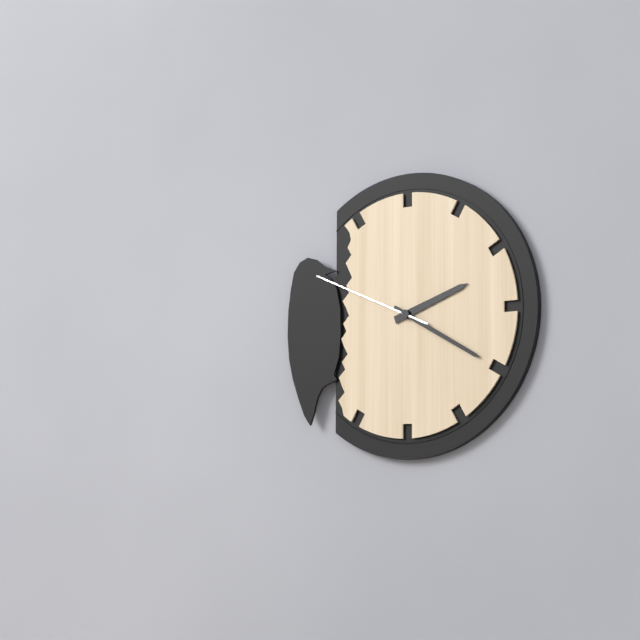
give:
2.20.49
